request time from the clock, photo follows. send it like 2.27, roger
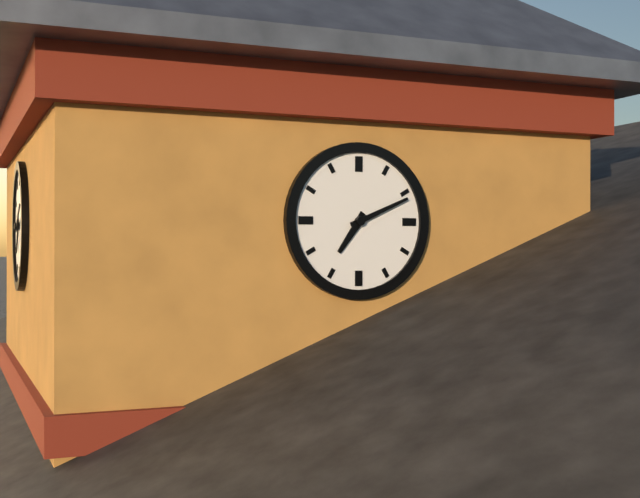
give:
7.11
